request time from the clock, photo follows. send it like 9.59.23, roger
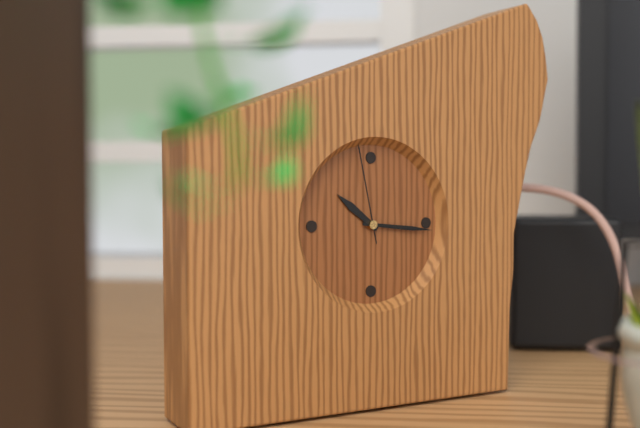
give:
10.16.58
